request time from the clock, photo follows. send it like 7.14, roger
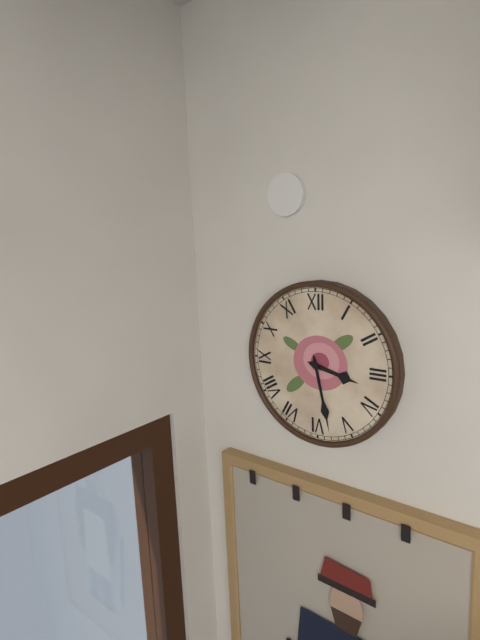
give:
3.28
